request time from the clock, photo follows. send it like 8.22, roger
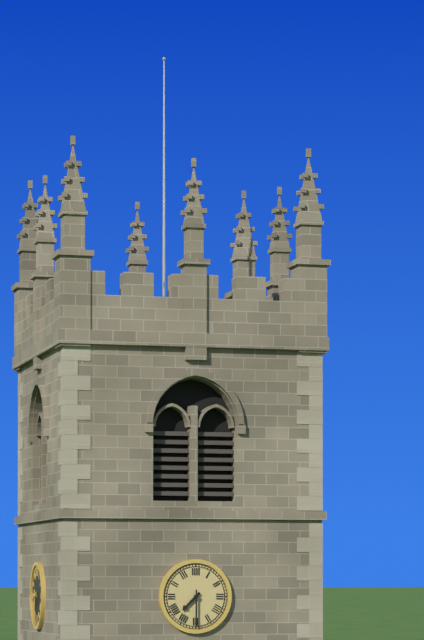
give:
7.30
